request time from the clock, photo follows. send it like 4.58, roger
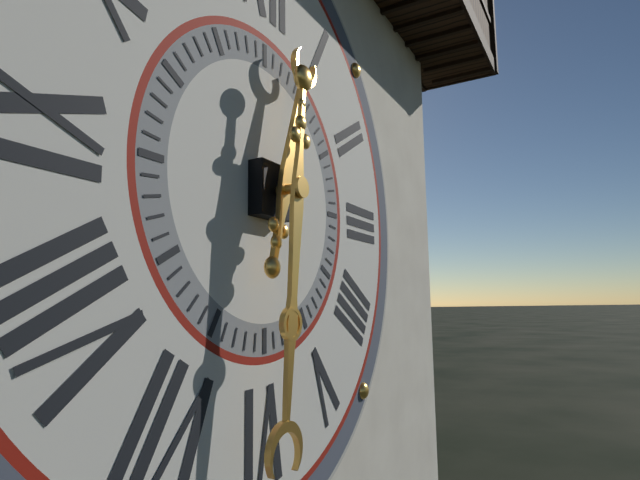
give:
12.31
